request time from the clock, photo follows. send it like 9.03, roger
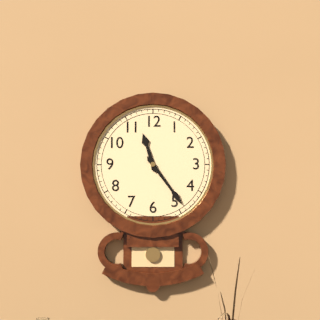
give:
11.24
